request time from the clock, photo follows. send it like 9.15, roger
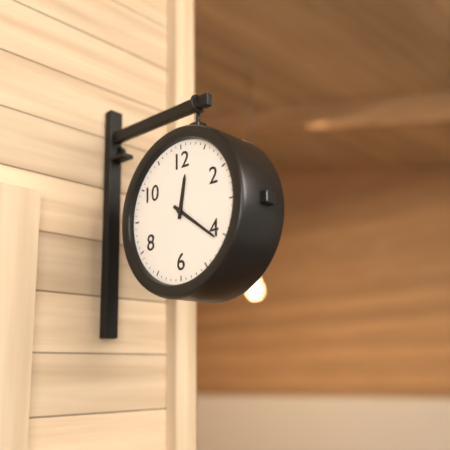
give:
12.21
